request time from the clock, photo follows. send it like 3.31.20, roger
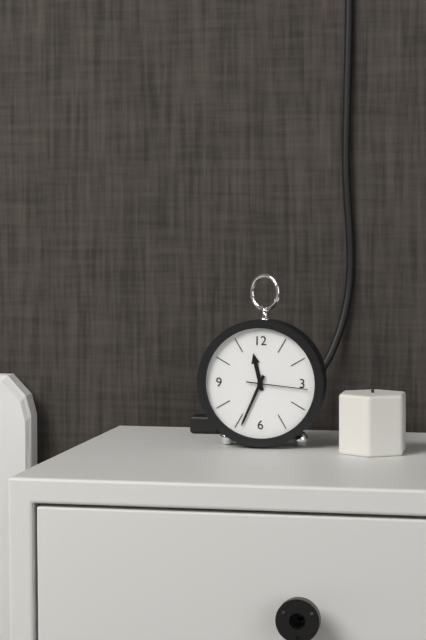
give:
11.34.16
